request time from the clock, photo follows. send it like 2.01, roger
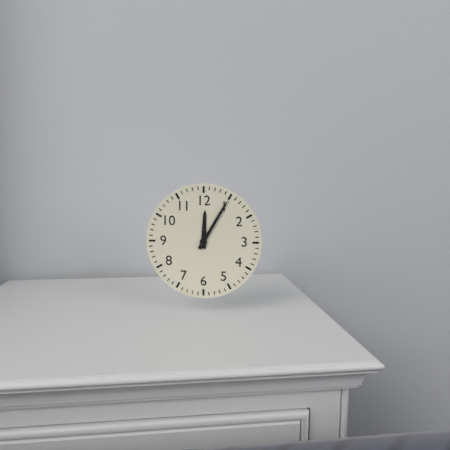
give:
12.05
